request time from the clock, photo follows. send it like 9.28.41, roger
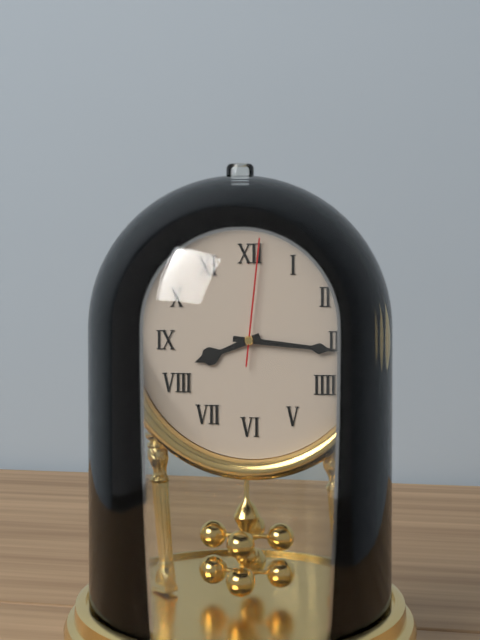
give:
8.16.01
